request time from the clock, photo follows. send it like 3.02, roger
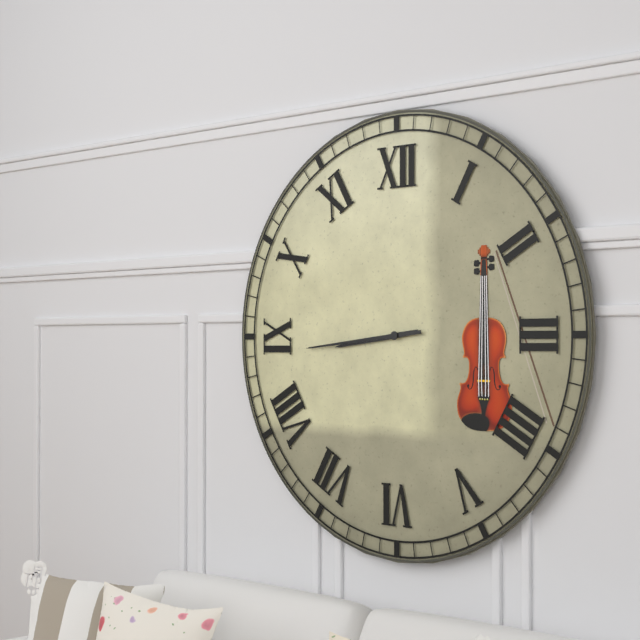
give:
8.44
